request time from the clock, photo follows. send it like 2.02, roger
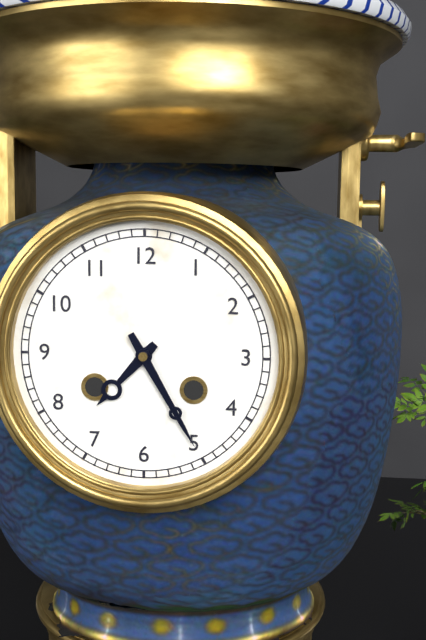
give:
7.25
